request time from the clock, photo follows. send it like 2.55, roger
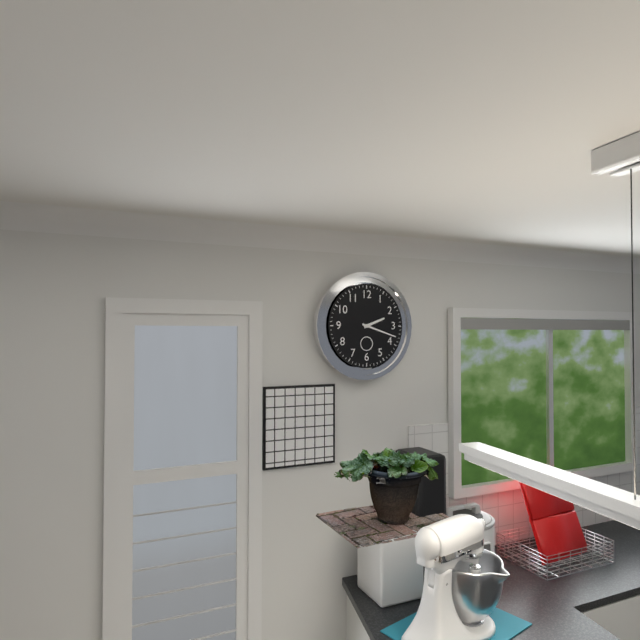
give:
2.18
